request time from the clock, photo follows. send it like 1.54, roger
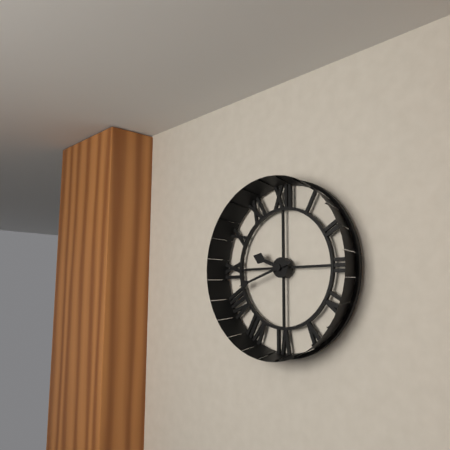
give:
9.42
